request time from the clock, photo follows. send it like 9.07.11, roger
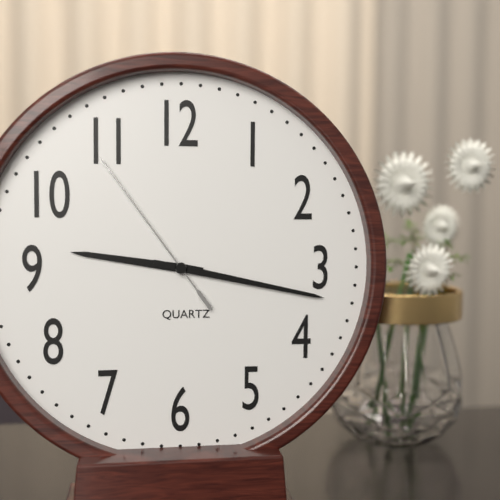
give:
9.17.54
